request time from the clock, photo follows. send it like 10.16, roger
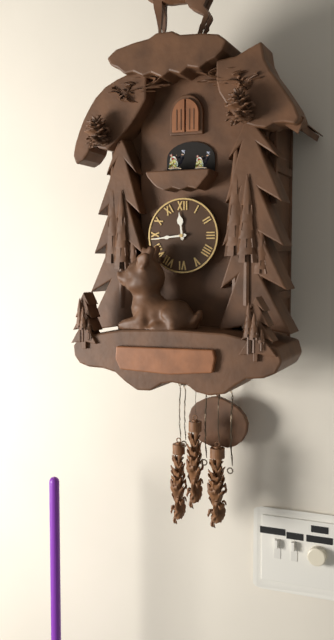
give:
11.44
